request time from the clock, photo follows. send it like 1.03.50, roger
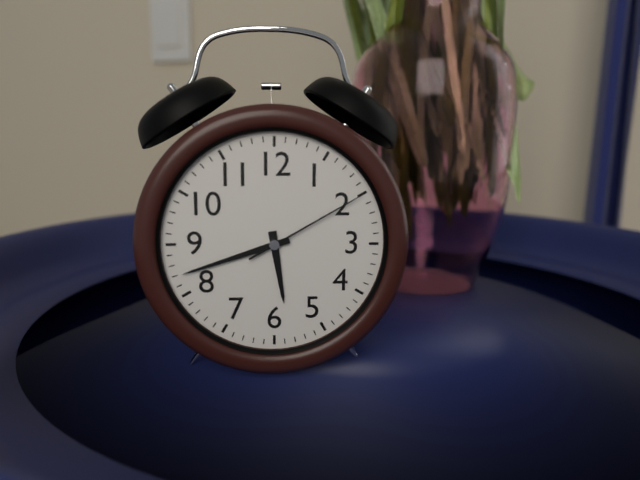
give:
5.42.10
